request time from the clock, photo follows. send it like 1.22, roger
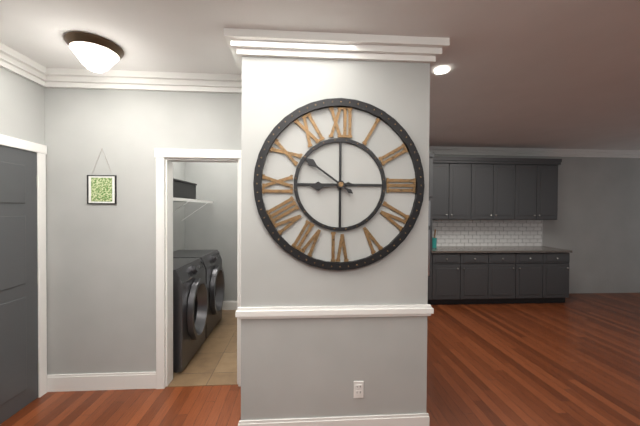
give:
8.51
